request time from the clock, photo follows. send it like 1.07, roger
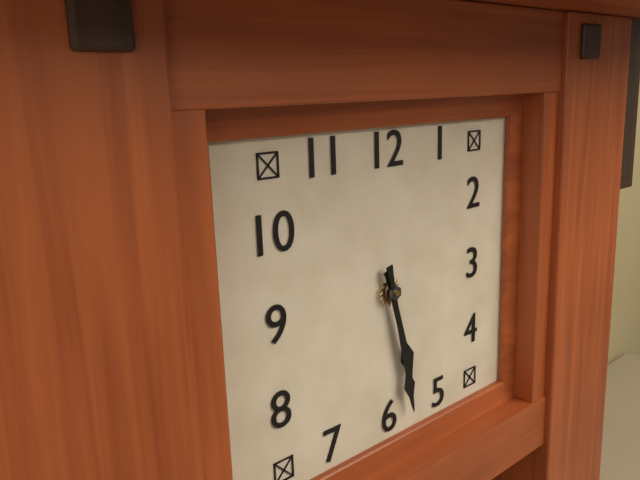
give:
5.28
